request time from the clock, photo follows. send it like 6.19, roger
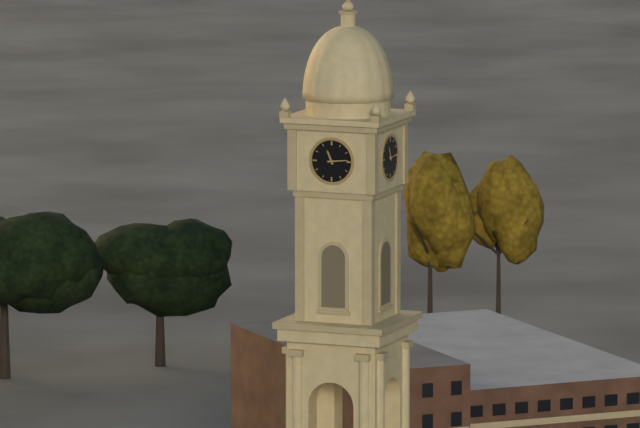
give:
11.14
